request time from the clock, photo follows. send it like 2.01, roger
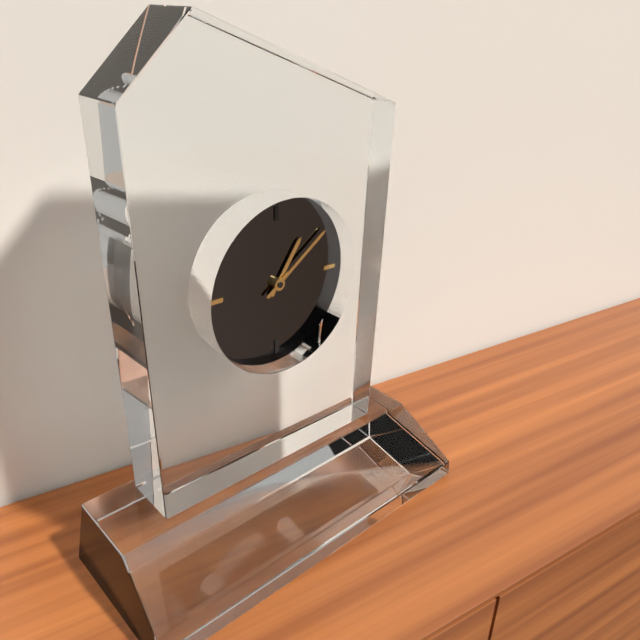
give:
1.09
